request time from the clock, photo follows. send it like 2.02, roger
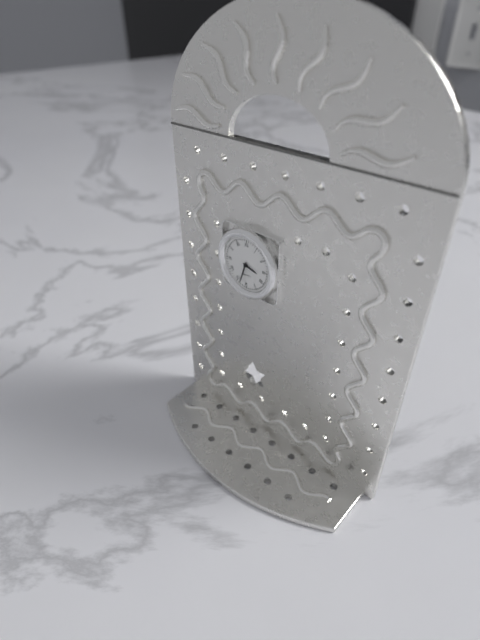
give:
3.33
